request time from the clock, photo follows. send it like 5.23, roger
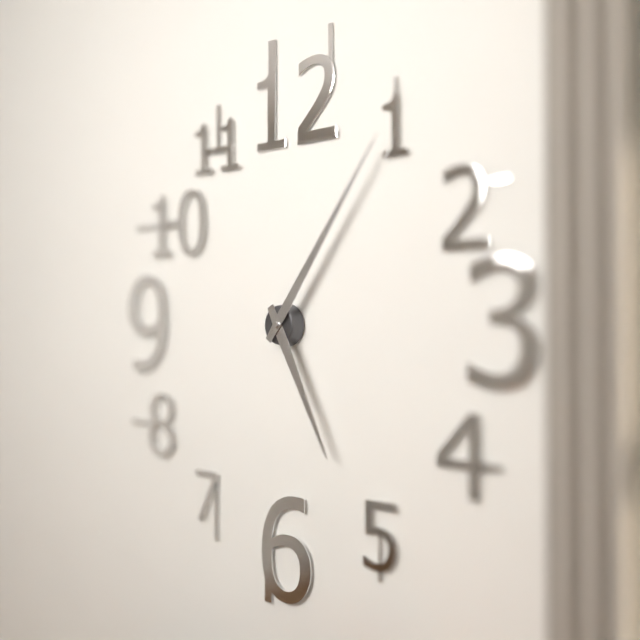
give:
5.06
